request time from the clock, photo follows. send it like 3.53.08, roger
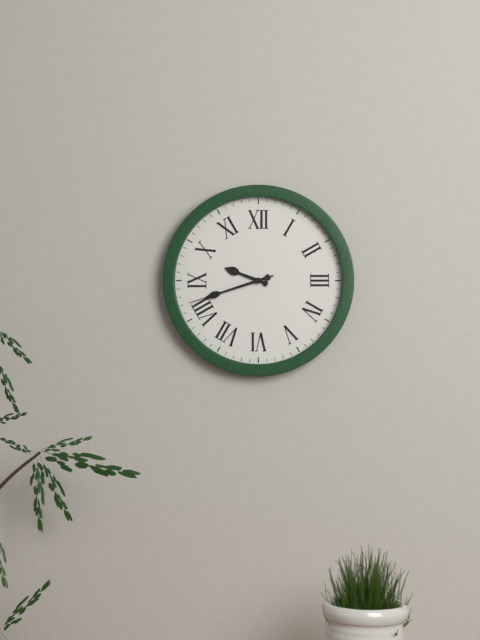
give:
9.42.42
